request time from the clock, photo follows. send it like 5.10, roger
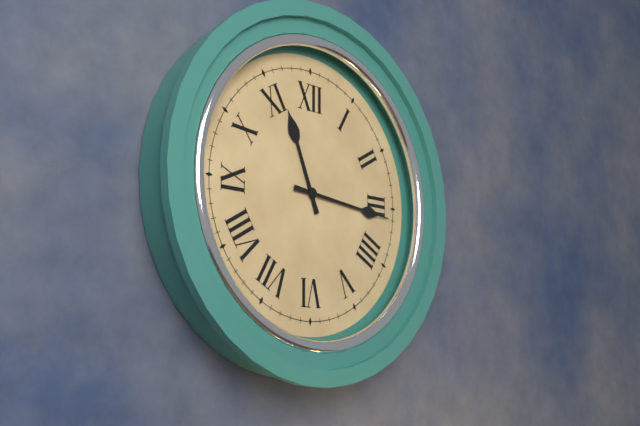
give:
11.16
